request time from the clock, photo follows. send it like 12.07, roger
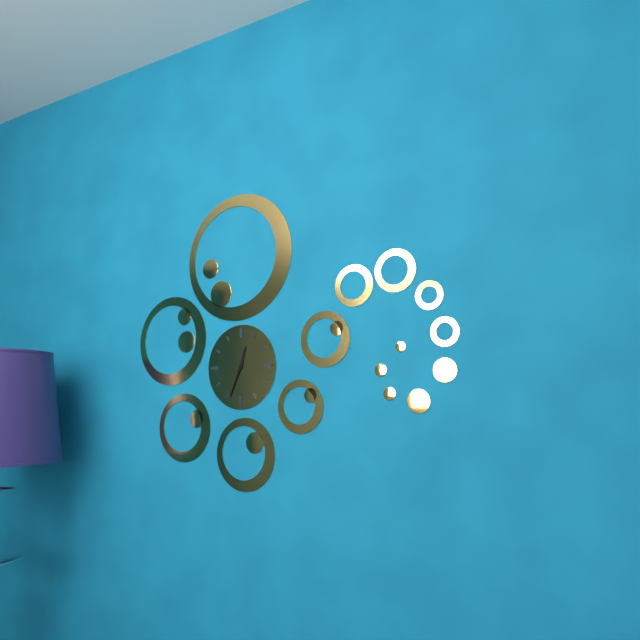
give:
12.34
